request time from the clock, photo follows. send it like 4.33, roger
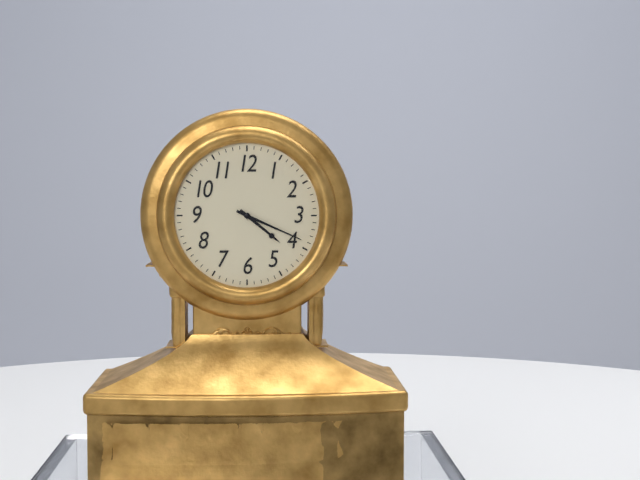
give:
4.19
